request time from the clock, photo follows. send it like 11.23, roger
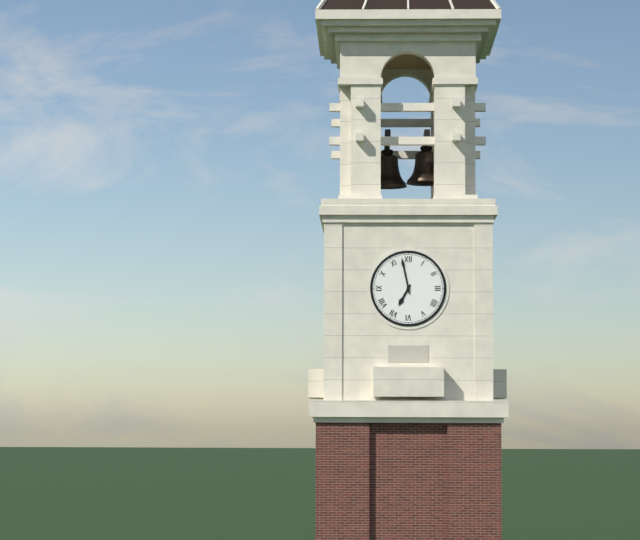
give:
6.58
